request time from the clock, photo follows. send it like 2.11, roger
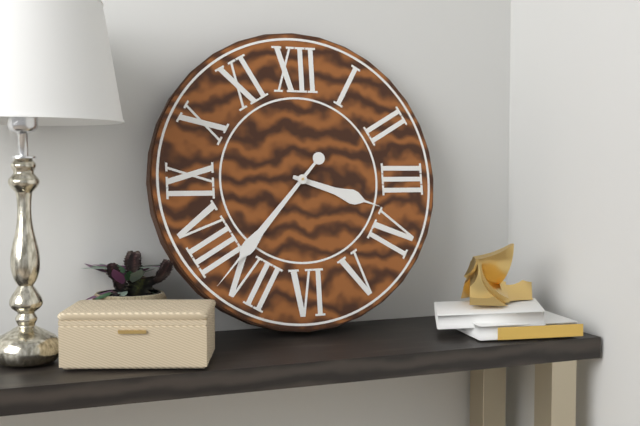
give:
3.37
